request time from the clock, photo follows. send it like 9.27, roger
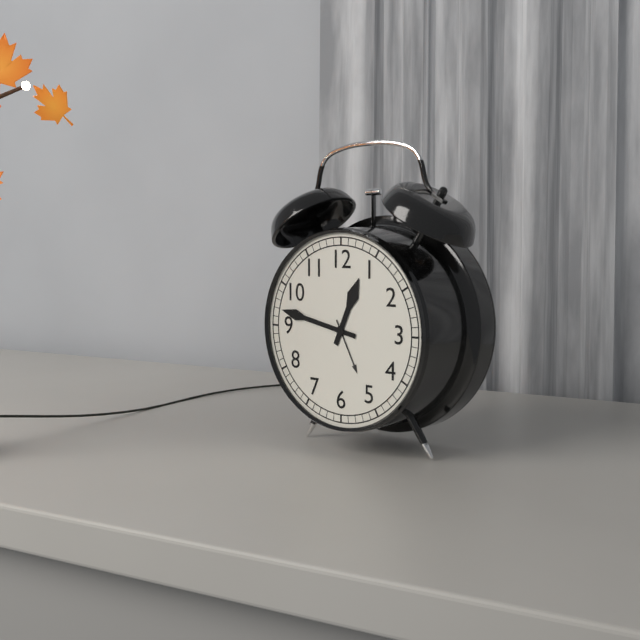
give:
12.47
